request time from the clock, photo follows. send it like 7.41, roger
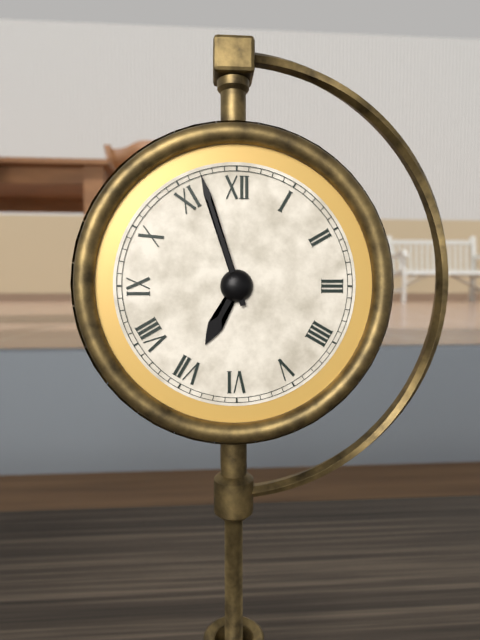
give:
6.57
